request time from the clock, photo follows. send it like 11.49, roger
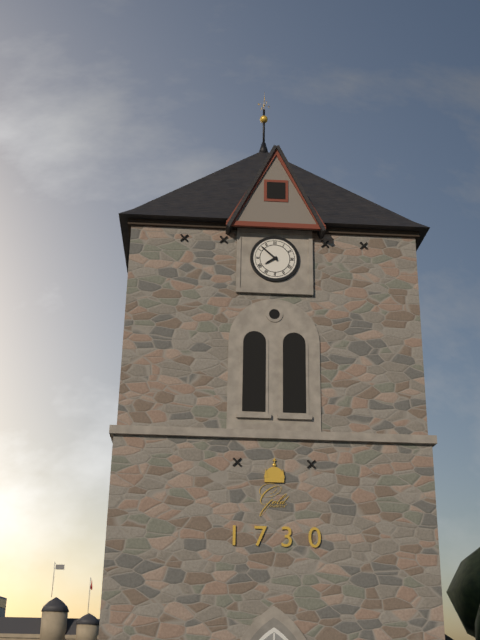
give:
7.52
